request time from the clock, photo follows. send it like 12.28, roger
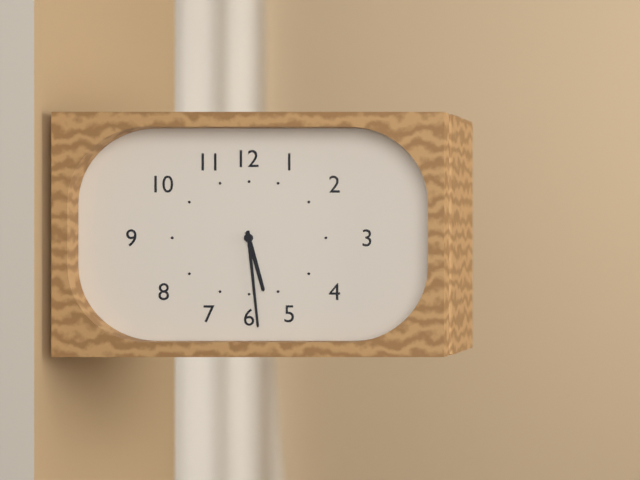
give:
5.29
